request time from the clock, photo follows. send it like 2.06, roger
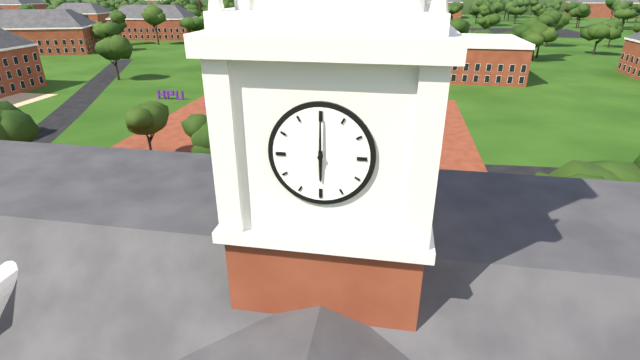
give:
6.00
